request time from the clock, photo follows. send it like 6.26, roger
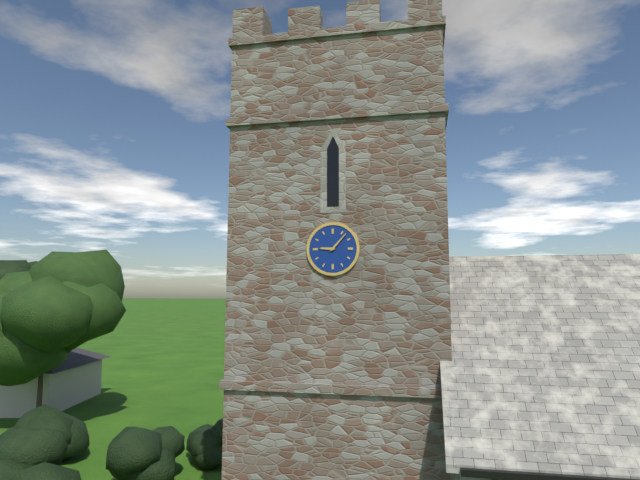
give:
9.07
